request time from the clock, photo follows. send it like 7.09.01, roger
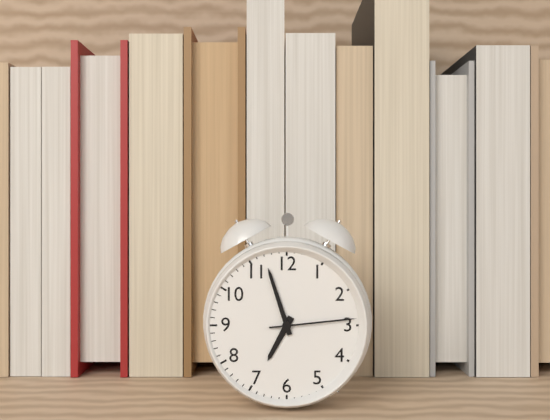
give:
6.57.14
